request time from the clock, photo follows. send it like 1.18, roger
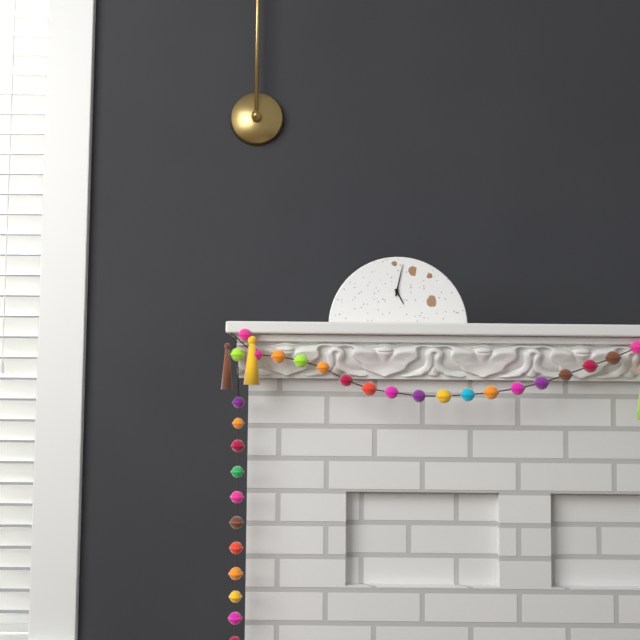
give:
5.02
